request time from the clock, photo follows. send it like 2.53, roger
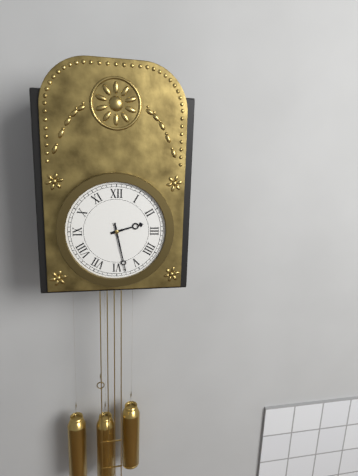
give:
2.28
